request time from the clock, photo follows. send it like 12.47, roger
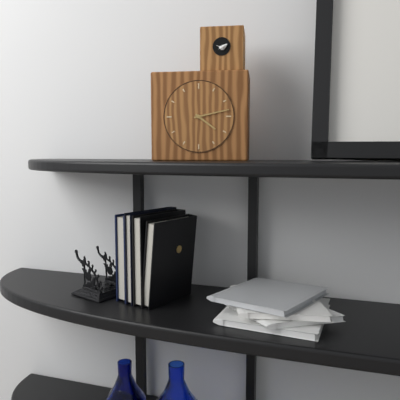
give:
4.13
